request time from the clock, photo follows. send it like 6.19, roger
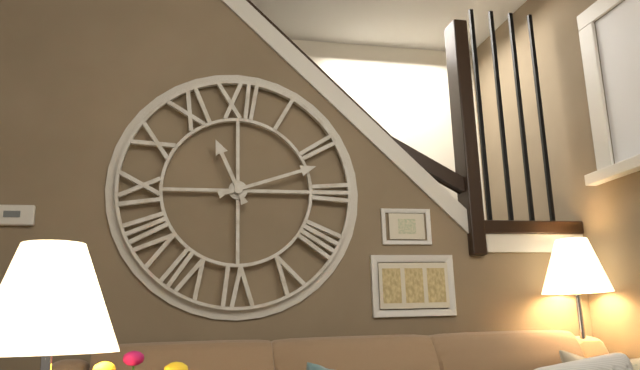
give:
11.12
